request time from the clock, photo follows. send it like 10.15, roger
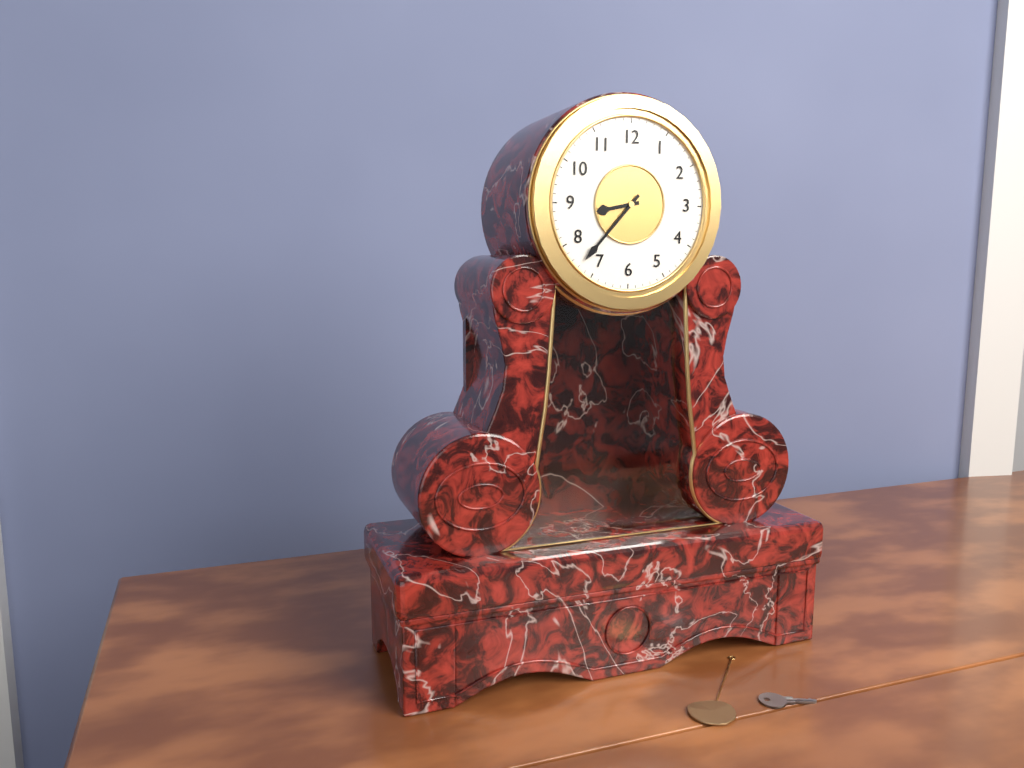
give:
8.37
